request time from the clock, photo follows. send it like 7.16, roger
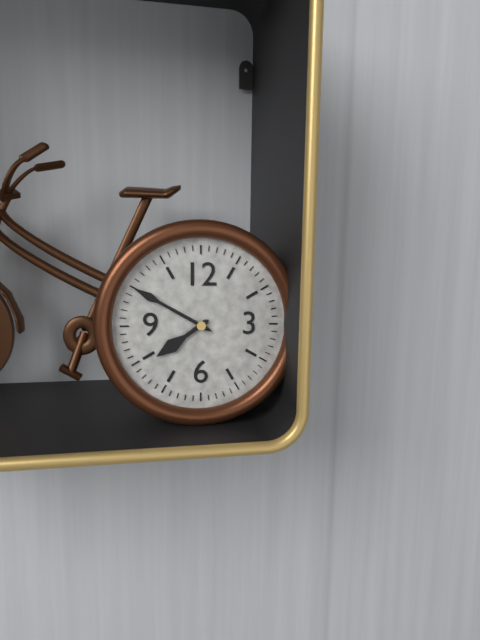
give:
7.50
